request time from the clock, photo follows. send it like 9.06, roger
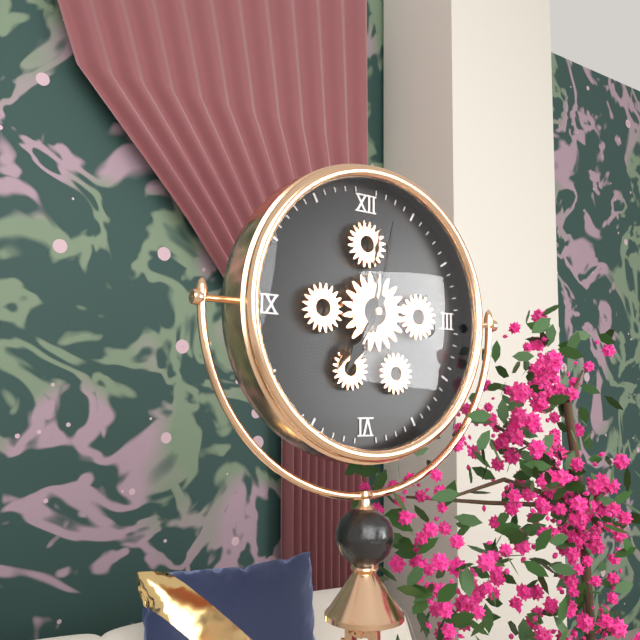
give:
7.02
